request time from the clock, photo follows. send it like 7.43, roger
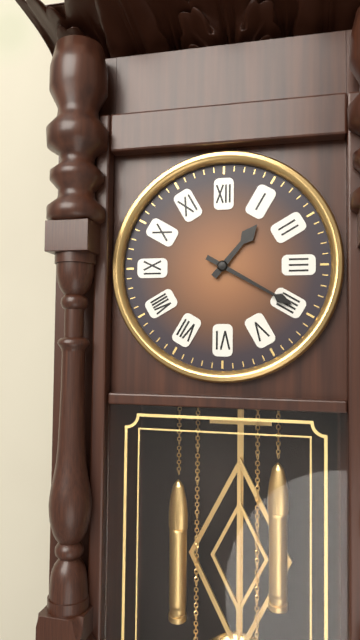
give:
1.20
